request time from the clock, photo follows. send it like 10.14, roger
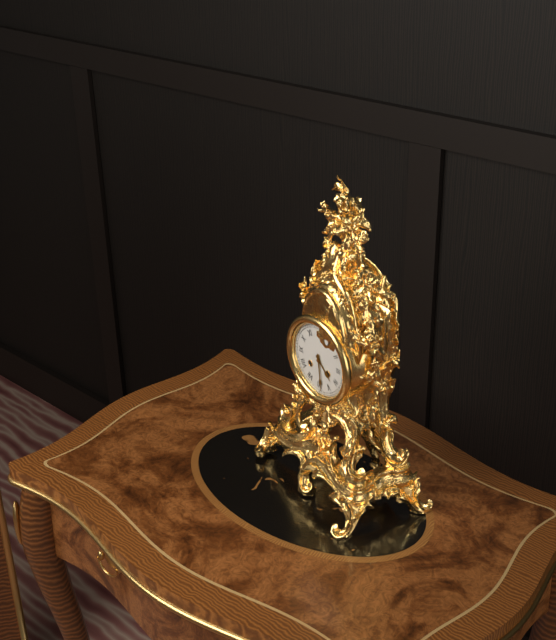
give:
4.29
